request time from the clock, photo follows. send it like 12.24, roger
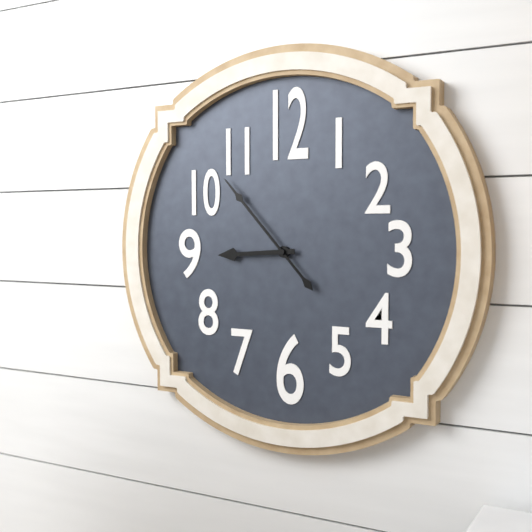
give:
8.53
